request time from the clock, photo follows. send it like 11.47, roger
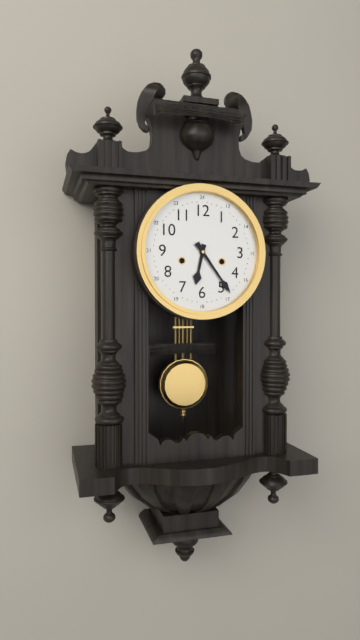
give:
6.24
